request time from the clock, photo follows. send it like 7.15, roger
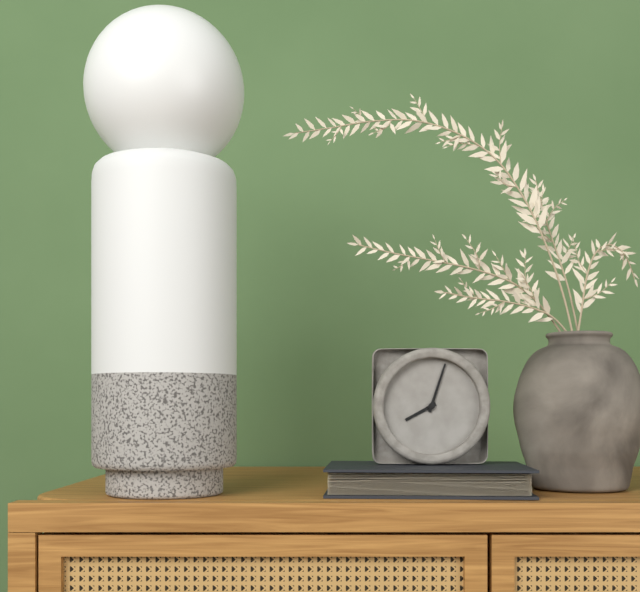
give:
8.03
